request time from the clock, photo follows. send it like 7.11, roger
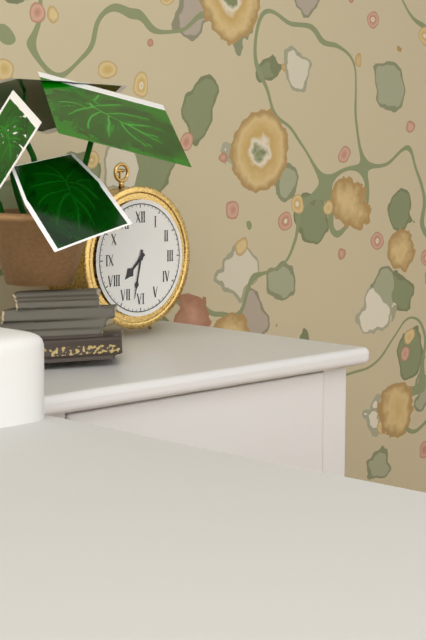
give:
7.32
